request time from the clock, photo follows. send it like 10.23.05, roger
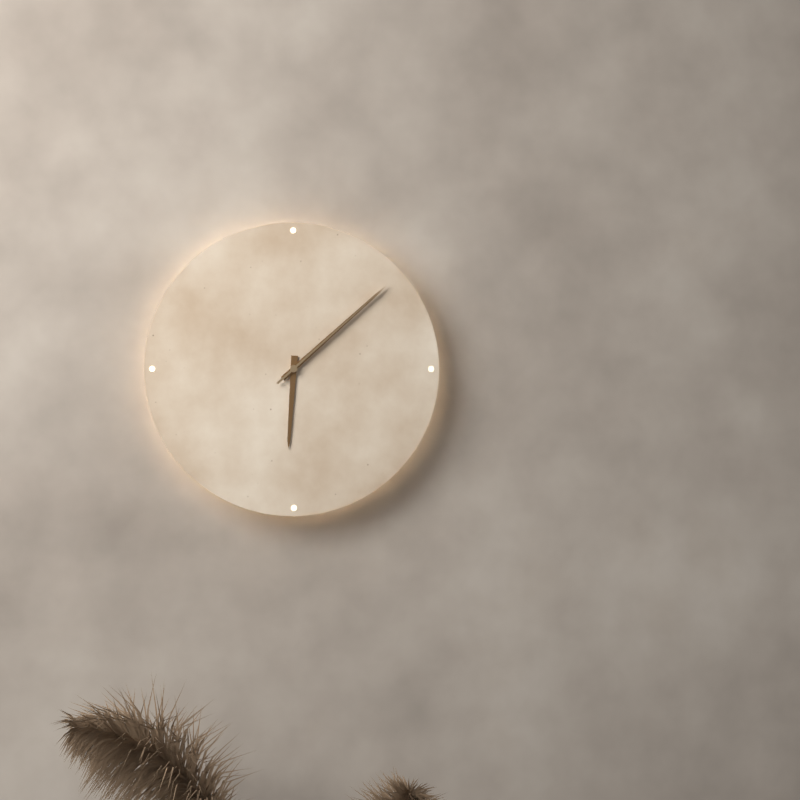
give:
6.08.08
